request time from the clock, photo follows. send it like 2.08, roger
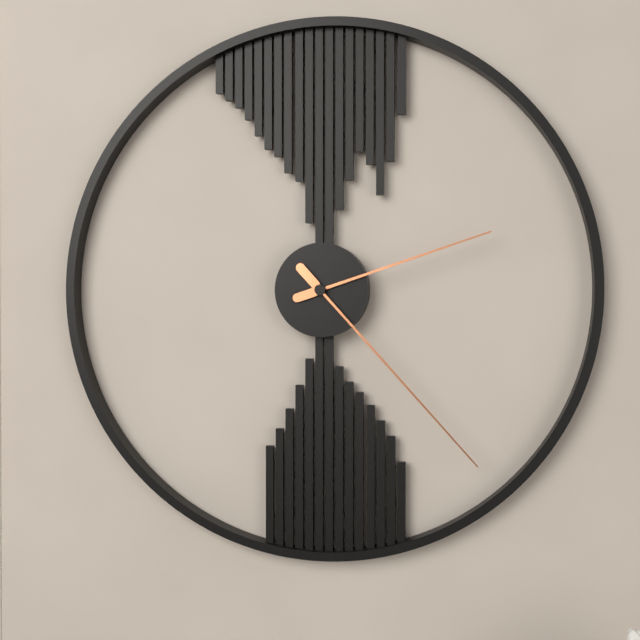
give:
2.23
